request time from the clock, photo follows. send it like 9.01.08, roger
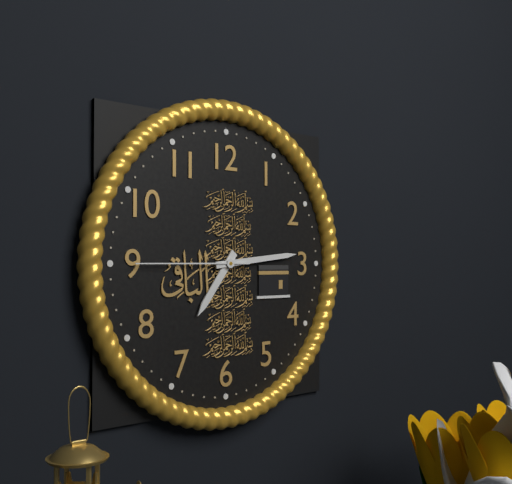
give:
7.14.45
